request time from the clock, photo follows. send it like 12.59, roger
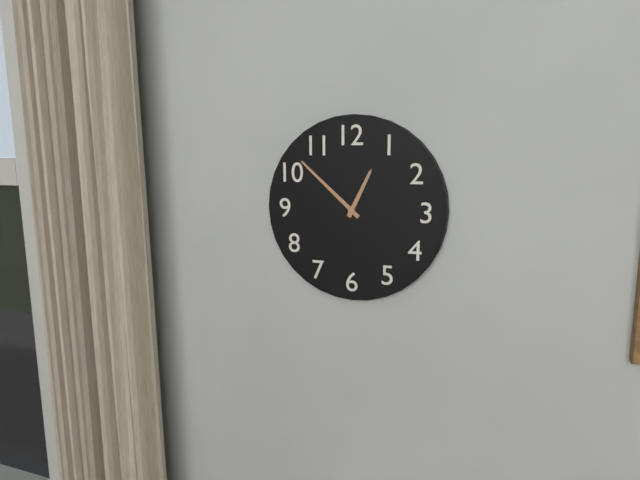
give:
12.52
